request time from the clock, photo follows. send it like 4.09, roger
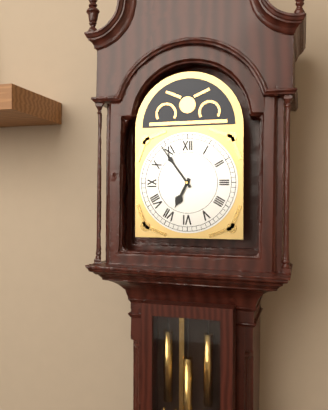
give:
6.54
